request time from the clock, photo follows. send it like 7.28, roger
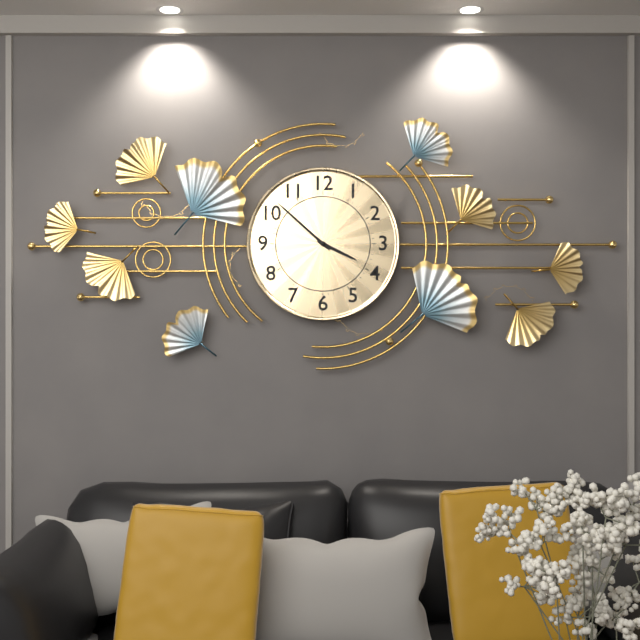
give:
3.52
